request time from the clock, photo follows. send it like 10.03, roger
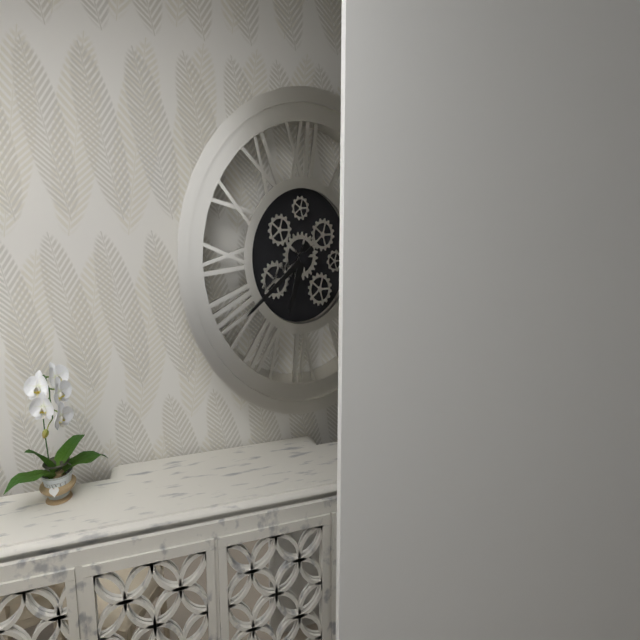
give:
6.39
